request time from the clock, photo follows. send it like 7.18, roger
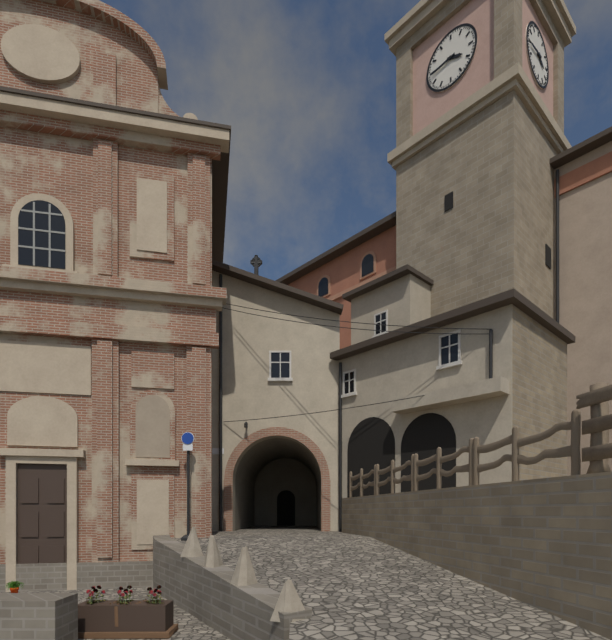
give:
3.44
